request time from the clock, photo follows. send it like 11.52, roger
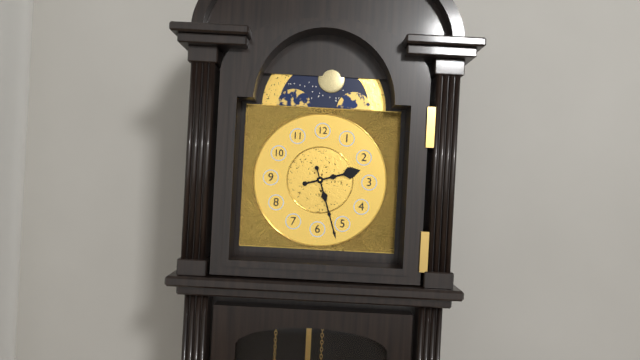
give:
2.27
